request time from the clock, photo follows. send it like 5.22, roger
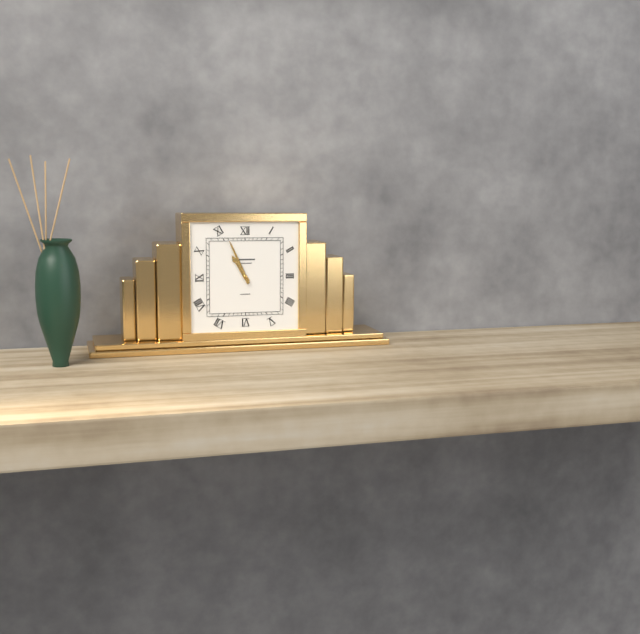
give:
10.56
